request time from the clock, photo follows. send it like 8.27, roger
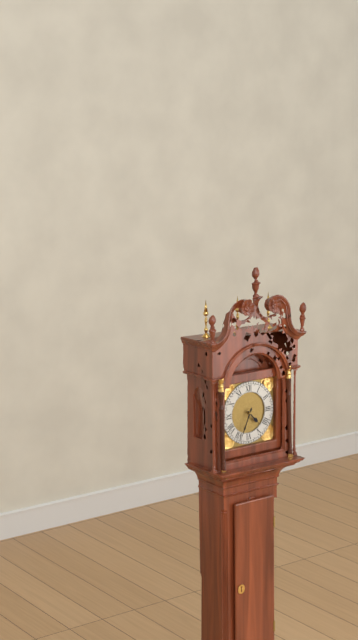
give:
4.34
